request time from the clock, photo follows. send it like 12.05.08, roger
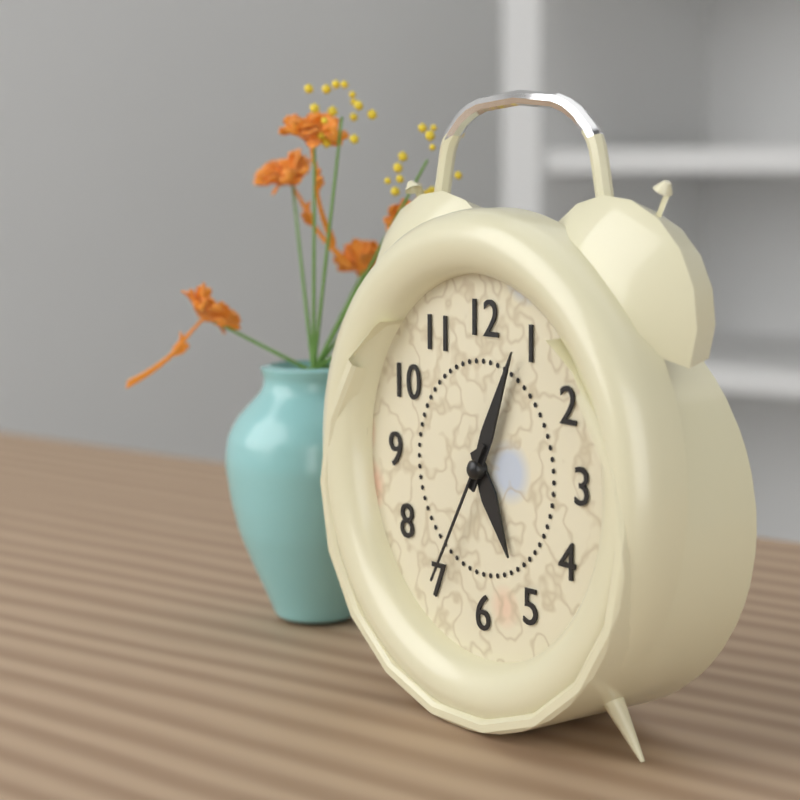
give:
5.04.35
